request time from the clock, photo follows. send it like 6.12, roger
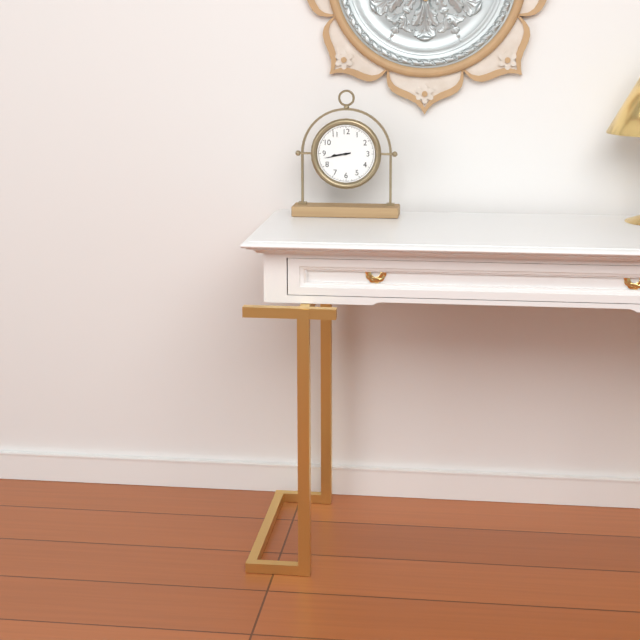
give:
8.43
